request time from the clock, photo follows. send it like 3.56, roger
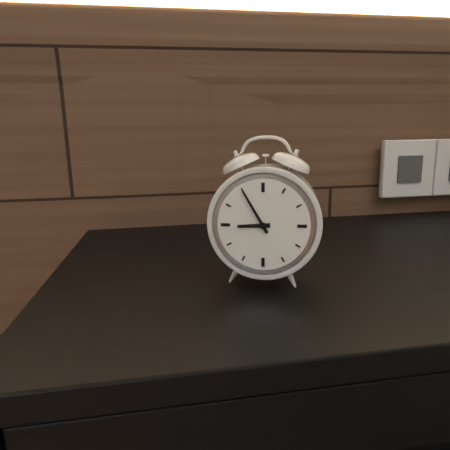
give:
8.55
